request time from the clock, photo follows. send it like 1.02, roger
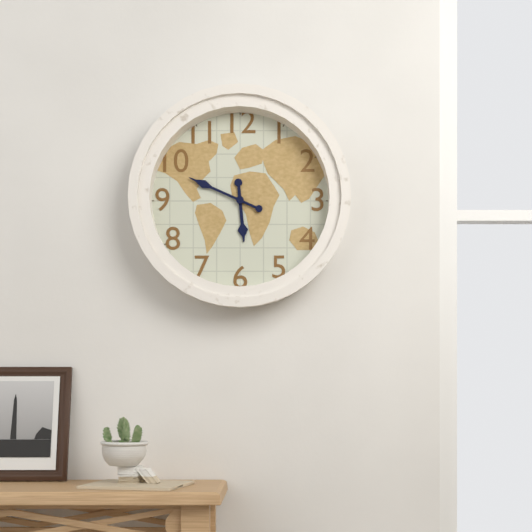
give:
5.49
